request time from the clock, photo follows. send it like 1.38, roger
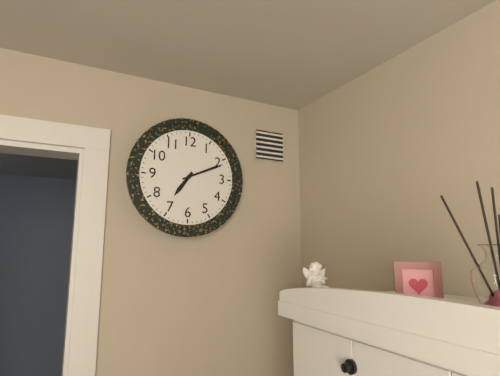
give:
7.11
